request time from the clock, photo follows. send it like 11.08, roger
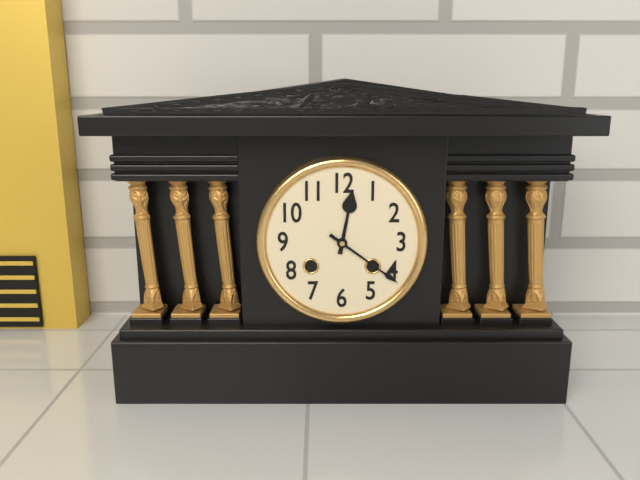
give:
12.21
